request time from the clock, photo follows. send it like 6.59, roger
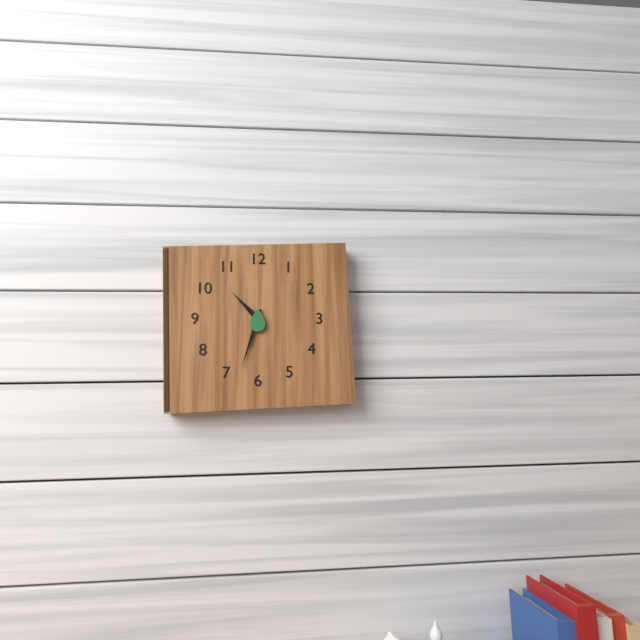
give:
10.33
